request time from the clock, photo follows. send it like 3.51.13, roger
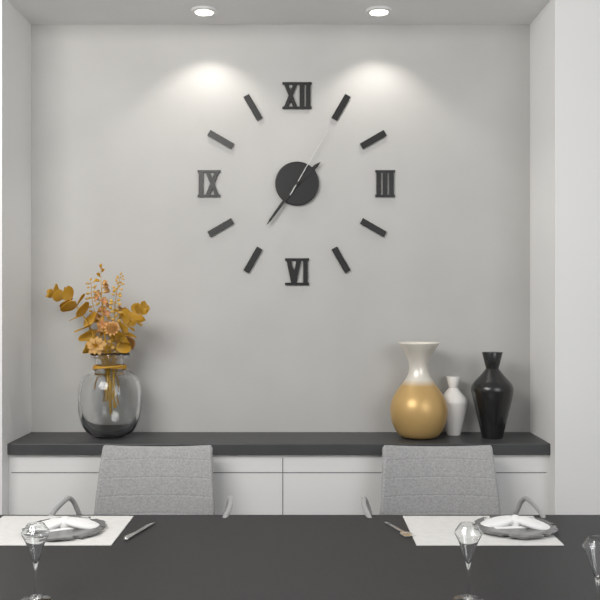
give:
1.36.05
